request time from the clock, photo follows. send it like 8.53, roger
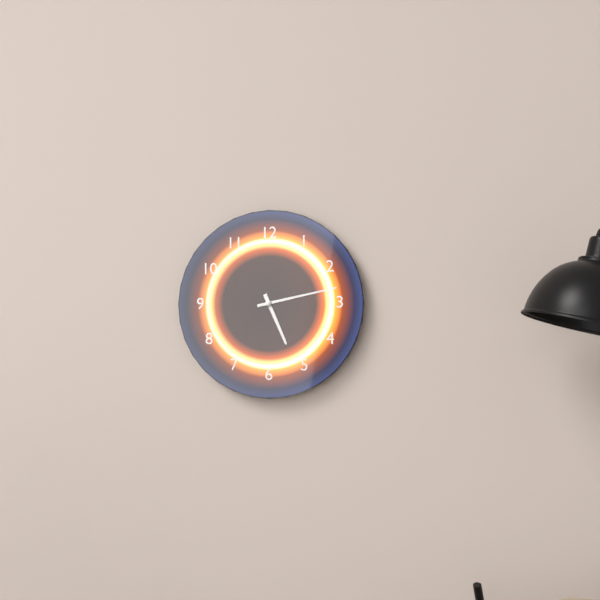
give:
5.13
